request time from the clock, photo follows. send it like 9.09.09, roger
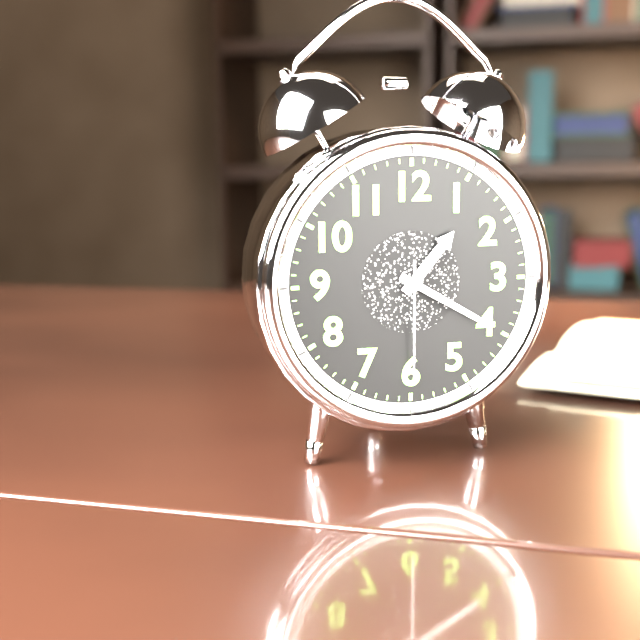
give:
1.20.30
